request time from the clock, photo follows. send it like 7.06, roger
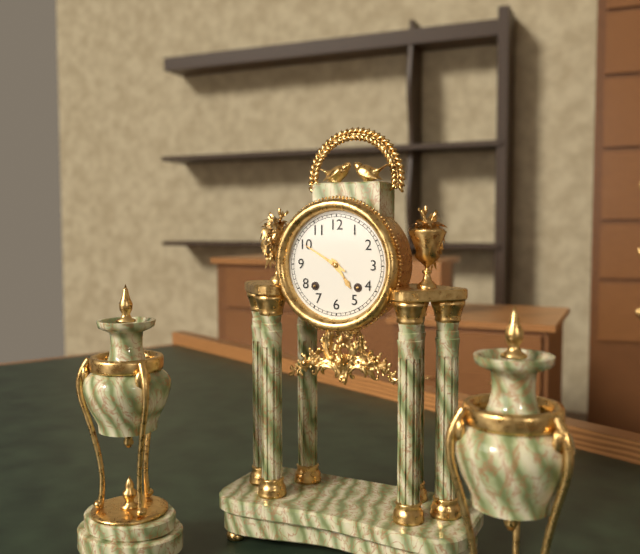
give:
4.50
